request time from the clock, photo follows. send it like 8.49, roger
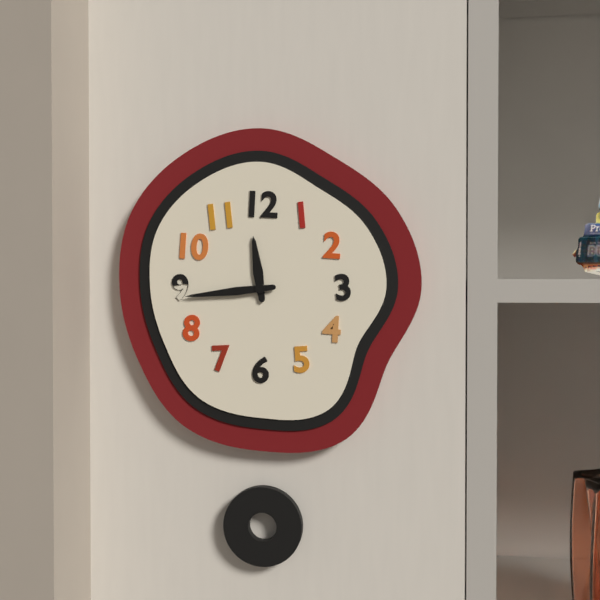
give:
11.44
